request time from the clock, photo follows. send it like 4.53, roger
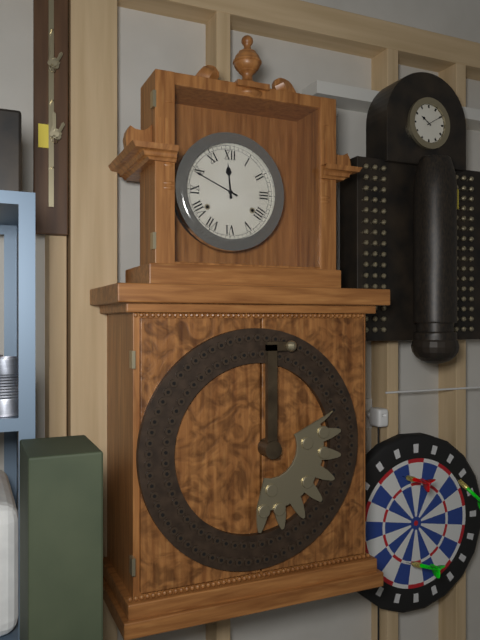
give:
11.49
